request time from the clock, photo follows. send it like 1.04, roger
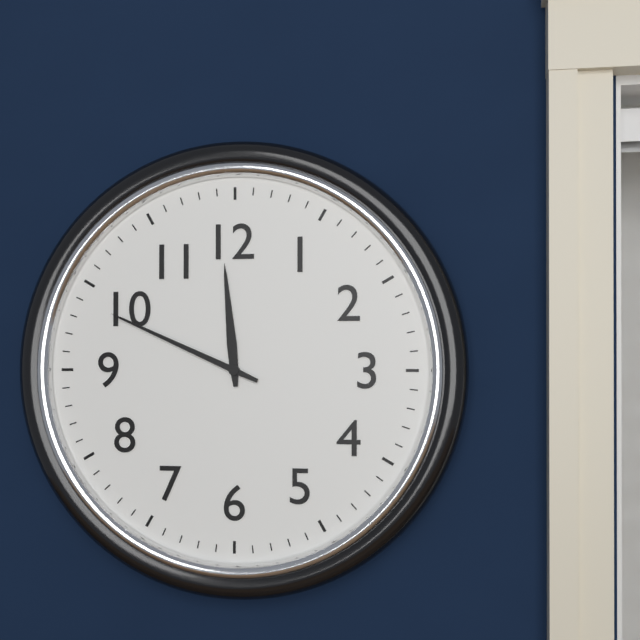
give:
11.49
